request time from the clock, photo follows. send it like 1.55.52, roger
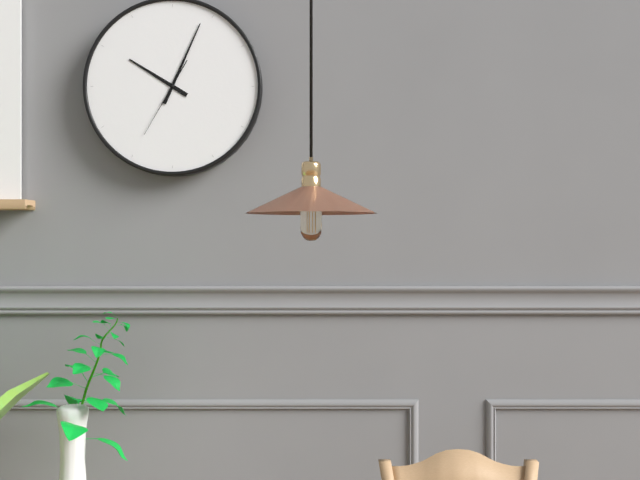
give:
10.04.35
